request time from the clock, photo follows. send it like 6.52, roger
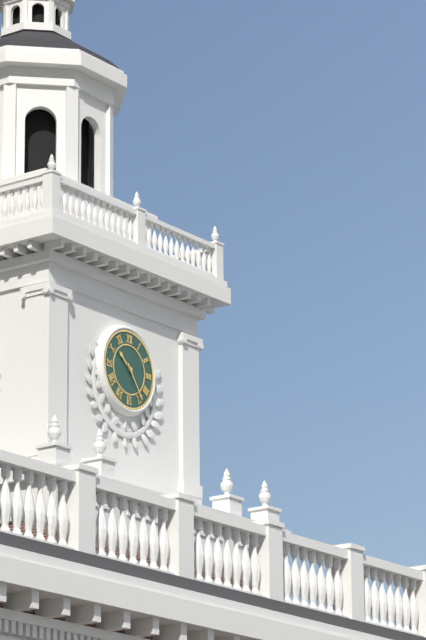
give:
10.24
